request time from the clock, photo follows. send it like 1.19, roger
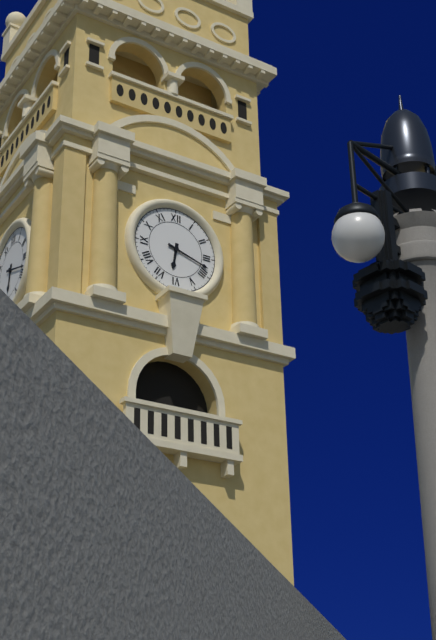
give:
6.18
